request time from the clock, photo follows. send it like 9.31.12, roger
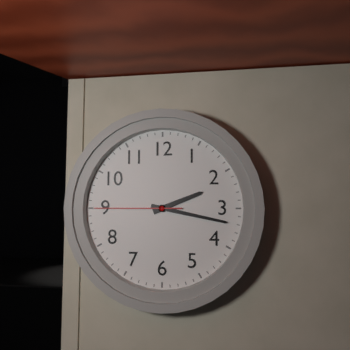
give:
2.17.45
